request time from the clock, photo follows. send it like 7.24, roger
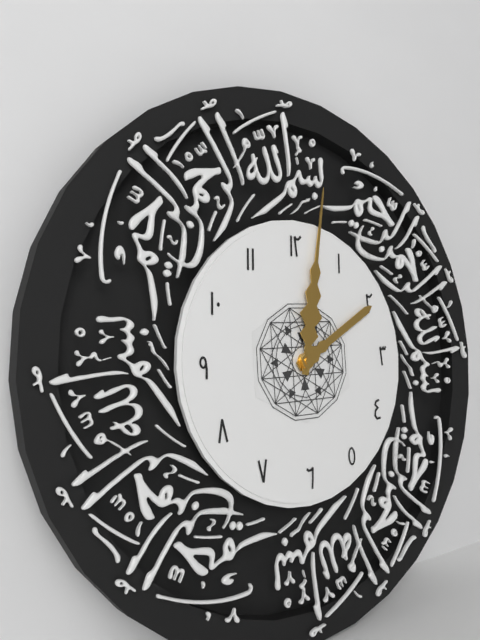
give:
2.02
